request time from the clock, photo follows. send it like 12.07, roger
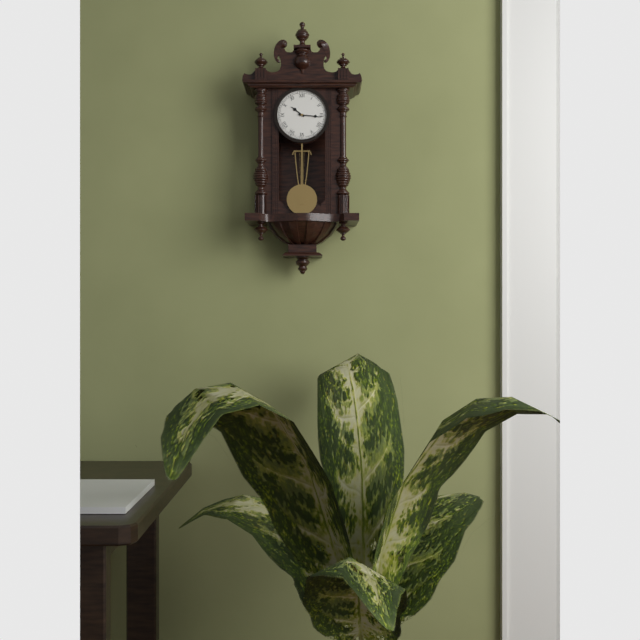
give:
10.16
